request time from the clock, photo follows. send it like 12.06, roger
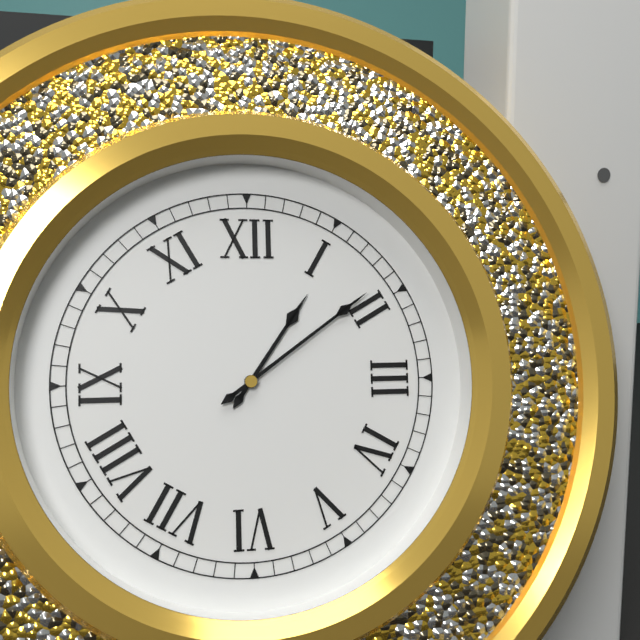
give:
1.09
